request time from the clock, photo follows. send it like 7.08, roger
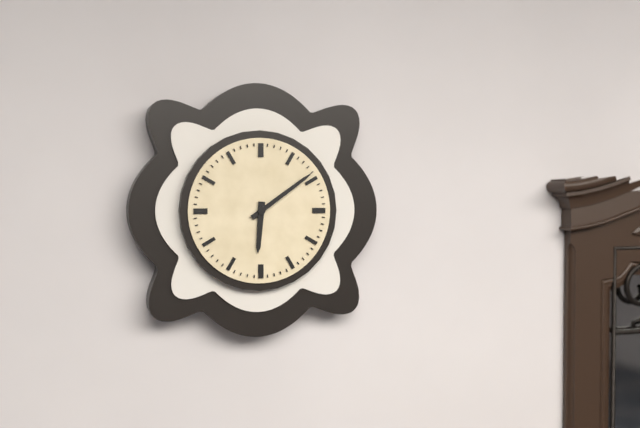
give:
6.09
